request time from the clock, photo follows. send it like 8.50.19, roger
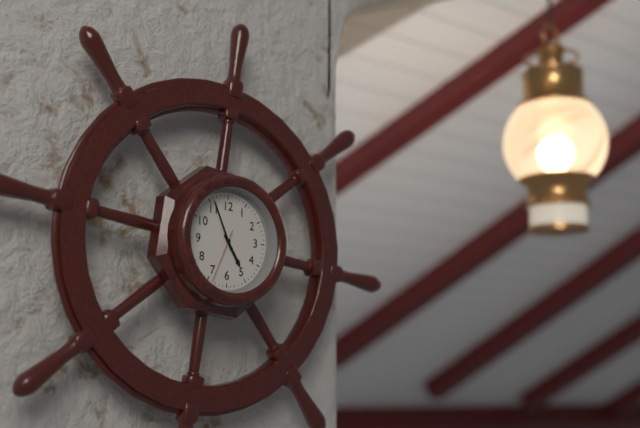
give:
4.56.34
